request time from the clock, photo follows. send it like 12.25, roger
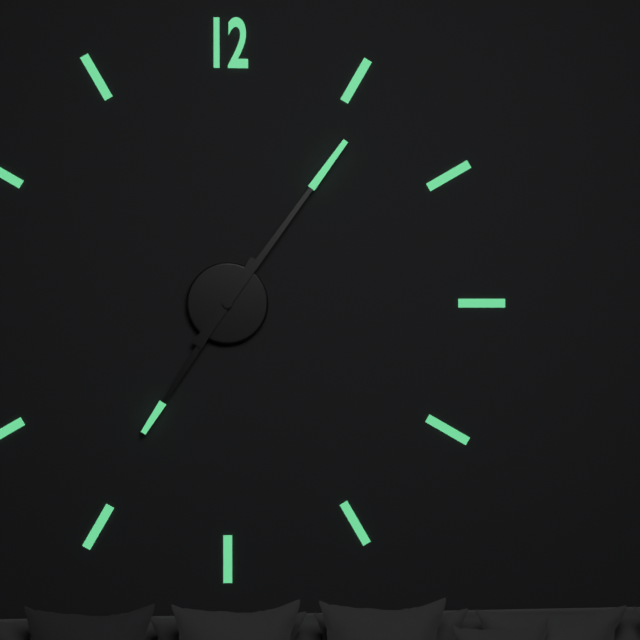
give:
7.06
